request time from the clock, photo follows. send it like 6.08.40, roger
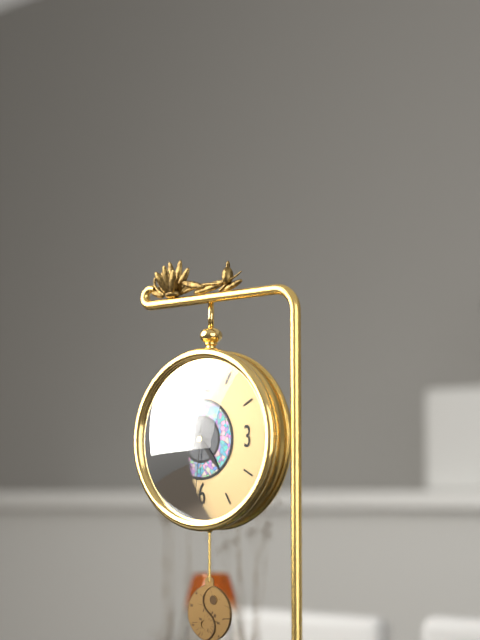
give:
4.45.31
